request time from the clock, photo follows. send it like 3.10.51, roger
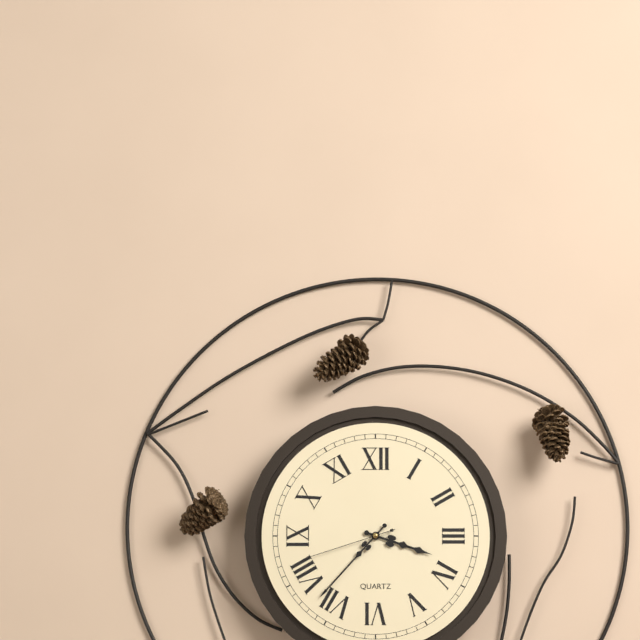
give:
3.37.42
